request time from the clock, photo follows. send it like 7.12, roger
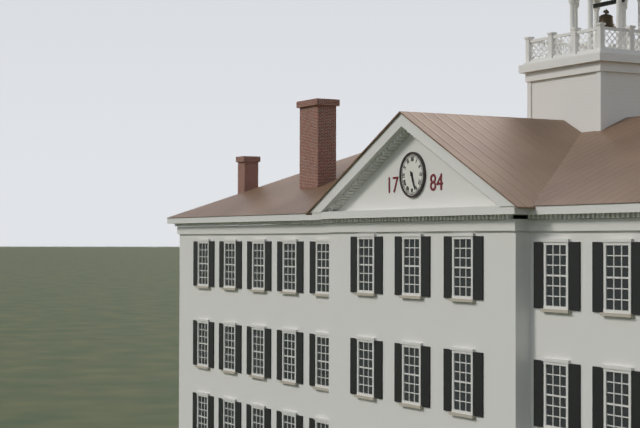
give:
5.26
